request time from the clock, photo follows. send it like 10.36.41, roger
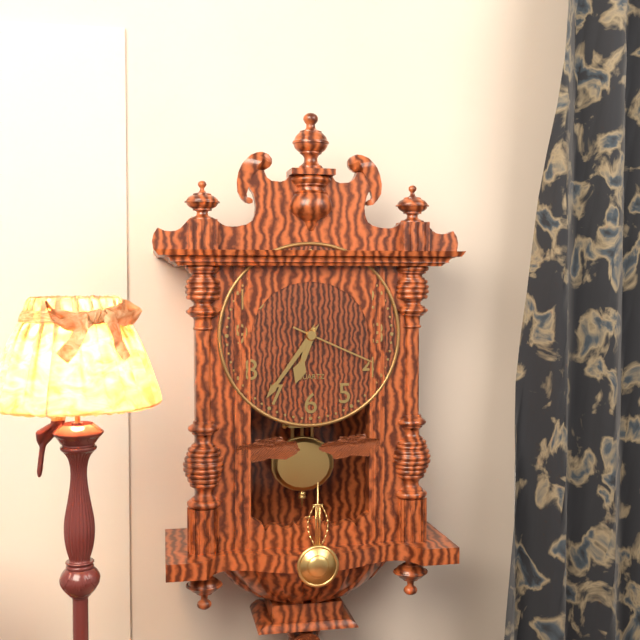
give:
6.36.19
